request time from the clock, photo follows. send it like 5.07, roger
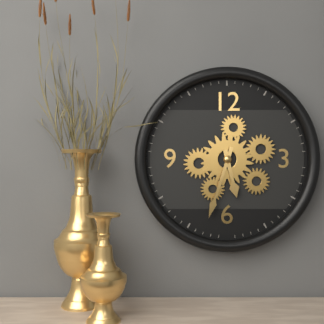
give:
5.33
